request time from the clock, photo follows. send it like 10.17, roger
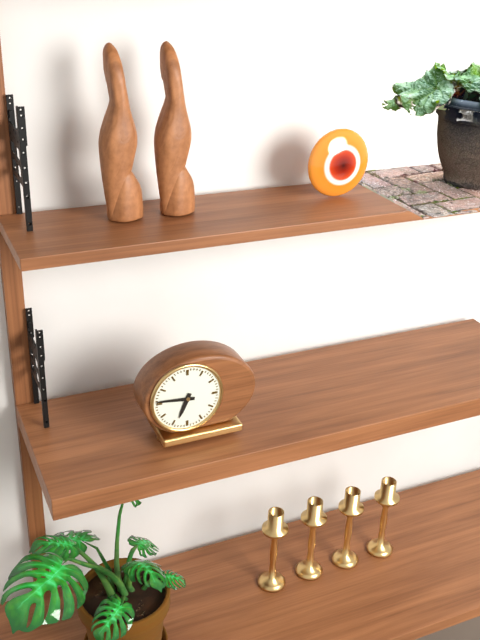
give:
6.46
